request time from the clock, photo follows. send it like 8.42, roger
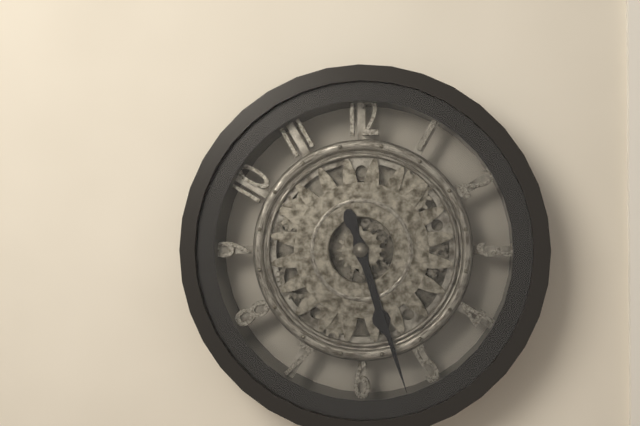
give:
5.27
